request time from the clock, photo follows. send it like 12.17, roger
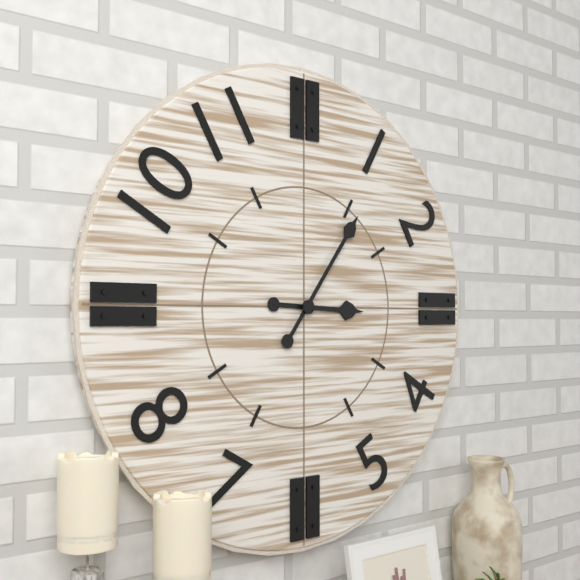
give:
3.06
